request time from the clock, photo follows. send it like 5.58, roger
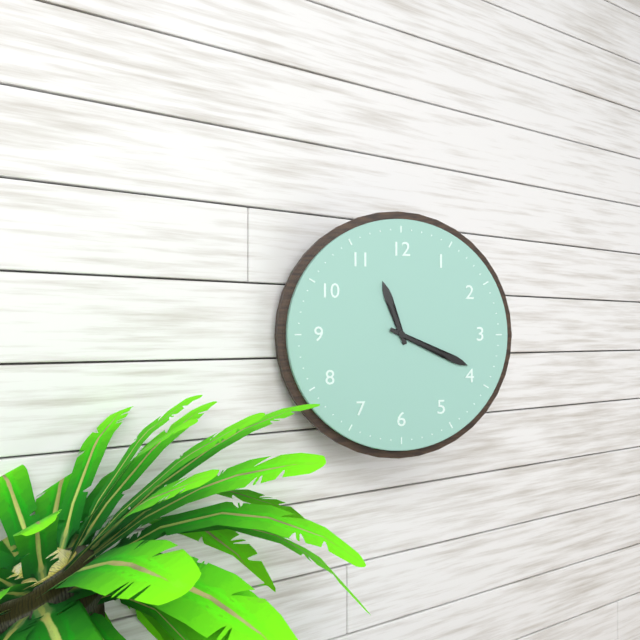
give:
11.19
